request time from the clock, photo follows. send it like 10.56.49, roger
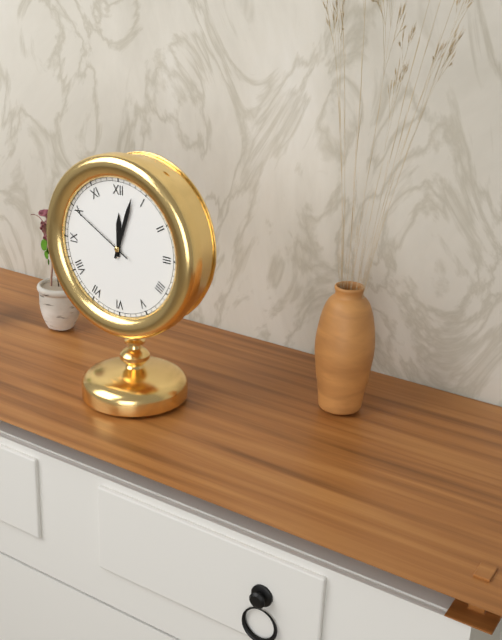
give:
12.03.50
